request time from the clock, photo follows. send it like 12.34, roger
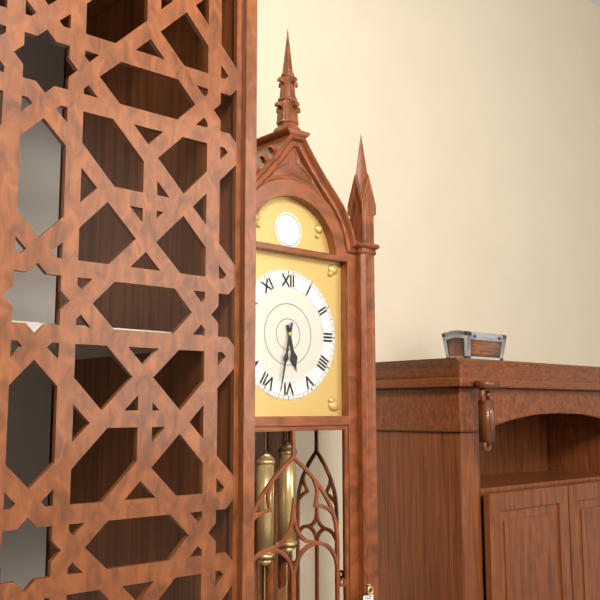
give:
5.32
